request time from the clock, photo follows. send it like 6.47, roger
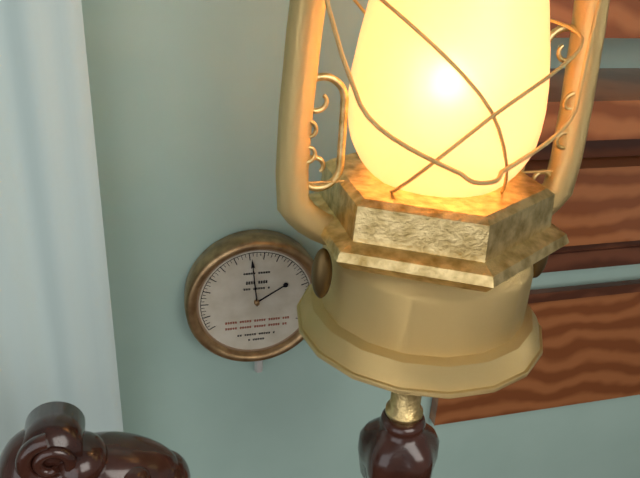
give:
1.59
